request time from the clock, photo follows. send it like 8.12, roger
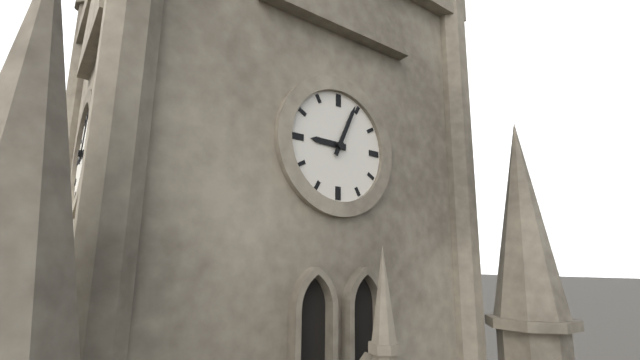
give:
9.04
